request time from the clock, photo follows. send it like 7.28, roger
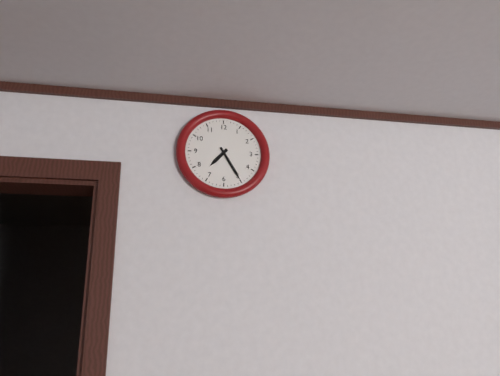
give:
7.25
